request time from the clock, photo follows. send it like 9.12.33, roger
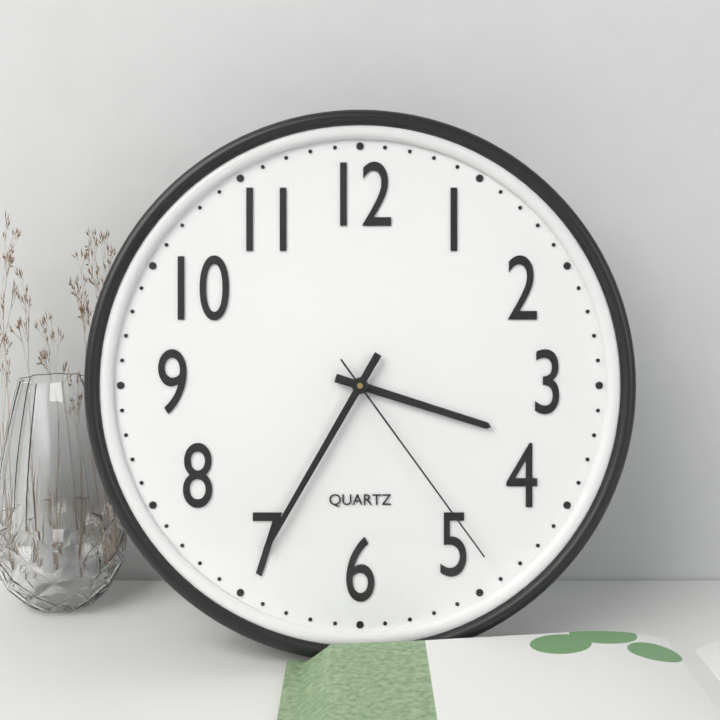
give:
3.35.24
